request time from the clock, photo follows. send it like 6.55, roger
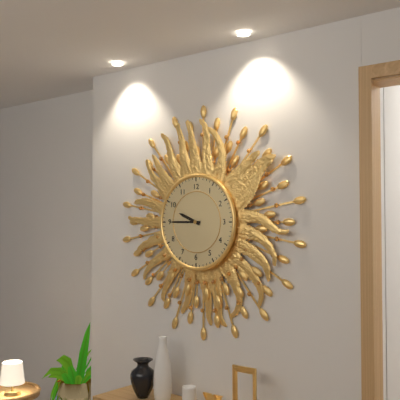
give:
9.45
